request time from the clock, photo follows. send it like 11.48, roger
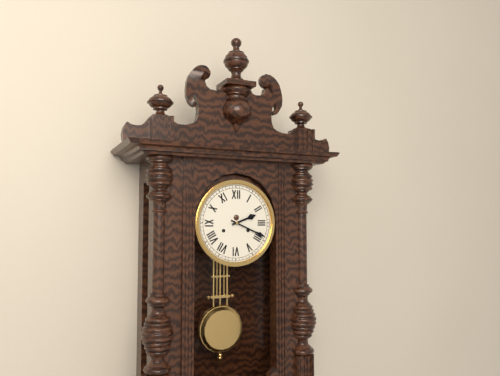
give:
2.19
